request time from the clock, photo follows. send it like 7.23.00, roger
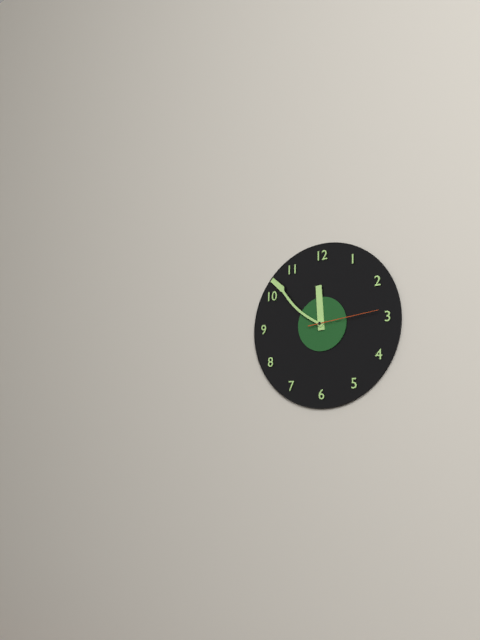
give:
11.52.14
